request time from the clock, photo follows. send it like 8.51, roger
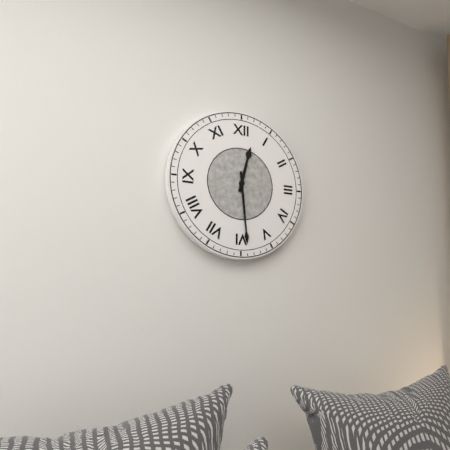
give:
12.29
